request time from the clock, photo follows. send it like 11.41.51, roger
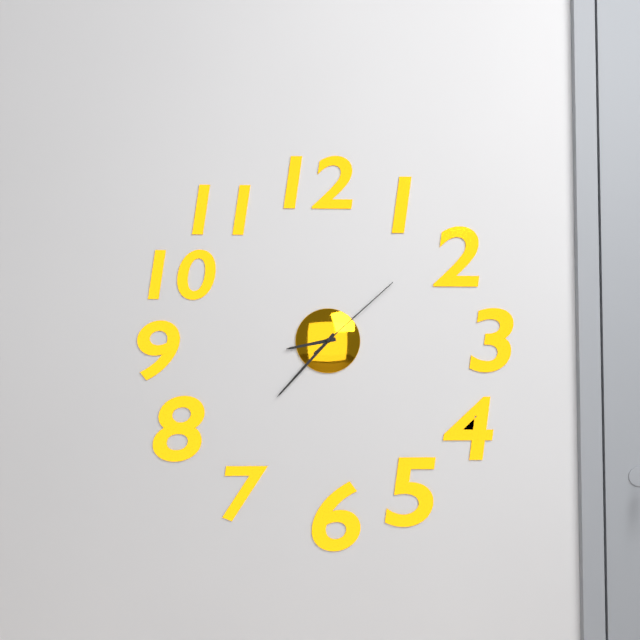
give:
8.37.08
